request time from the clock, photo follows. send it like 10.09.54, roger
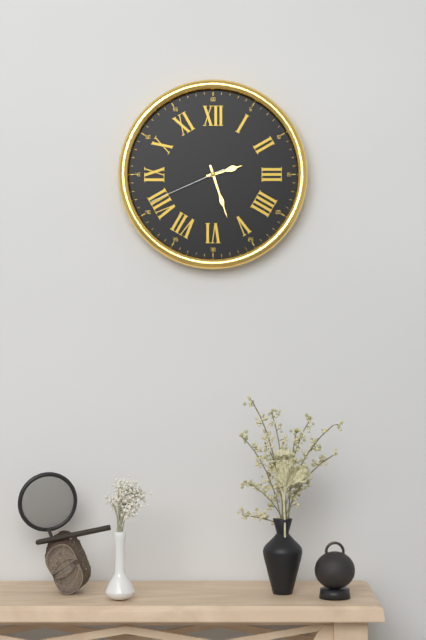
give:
2.27.41
